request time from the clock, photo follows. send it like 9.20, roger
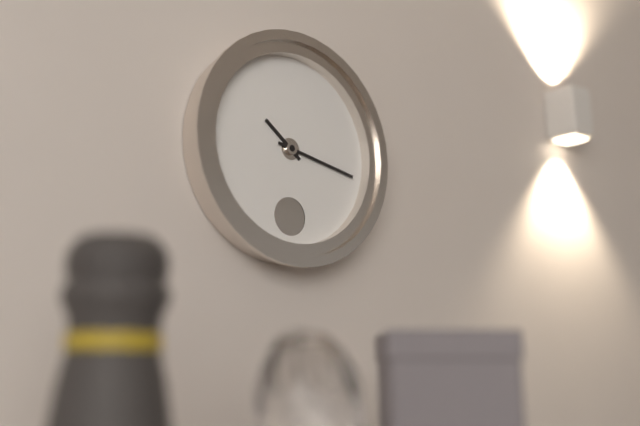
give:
10.17
